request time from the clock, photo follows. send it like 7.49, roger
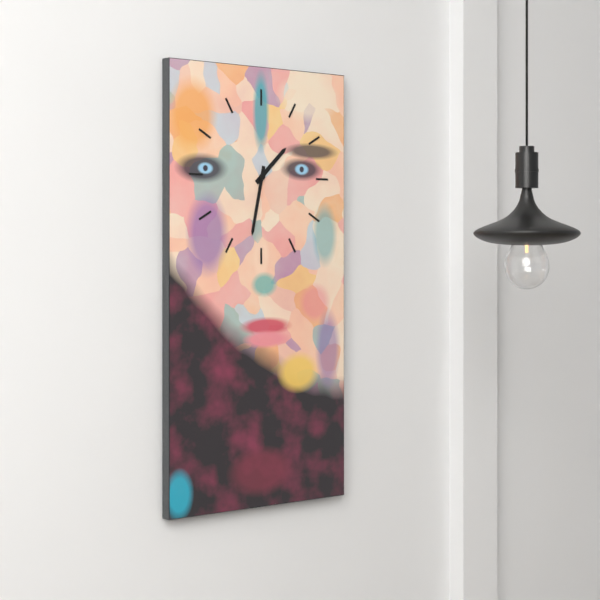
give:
1.32
